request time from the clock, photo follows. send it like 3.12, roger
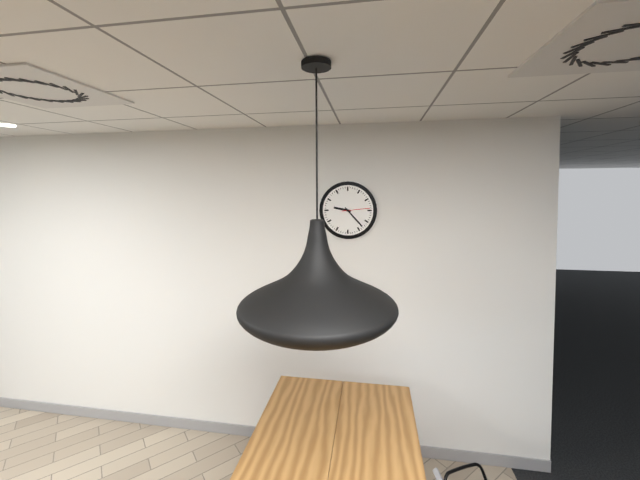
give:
9.23
